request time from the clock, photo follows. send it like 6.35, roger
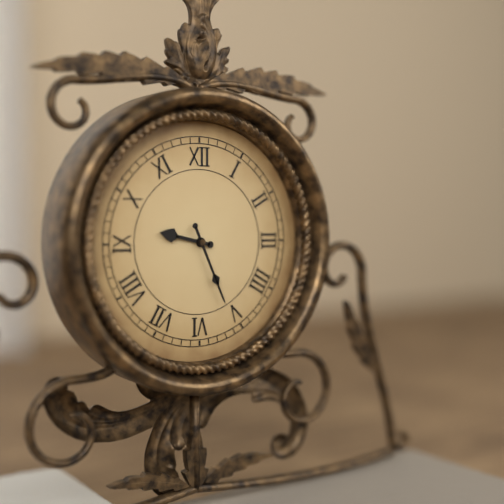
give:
9.26
